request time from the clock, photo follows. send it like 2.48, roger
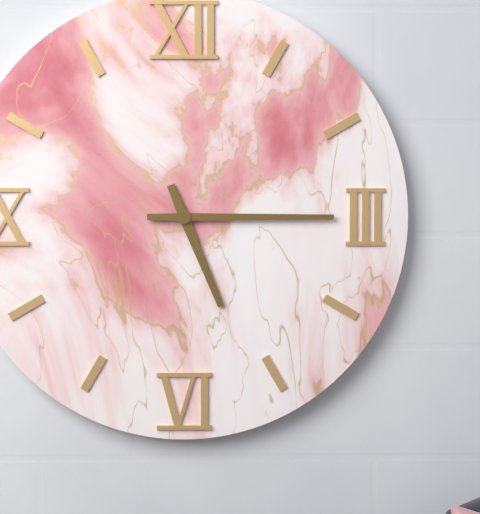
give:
5.15
